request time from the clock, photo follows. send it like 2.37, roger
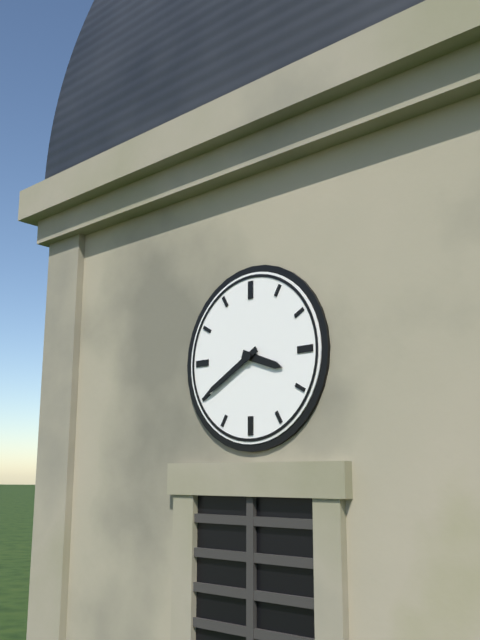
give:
3.40
